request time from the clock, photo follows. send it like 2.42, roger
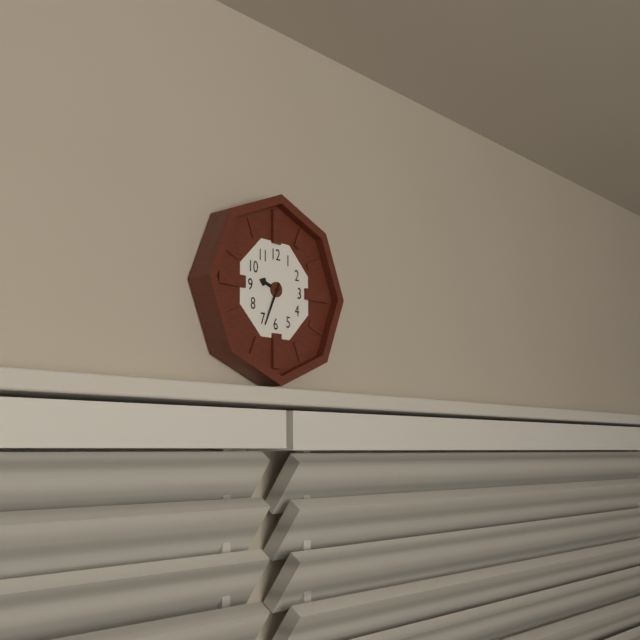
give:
9.34
